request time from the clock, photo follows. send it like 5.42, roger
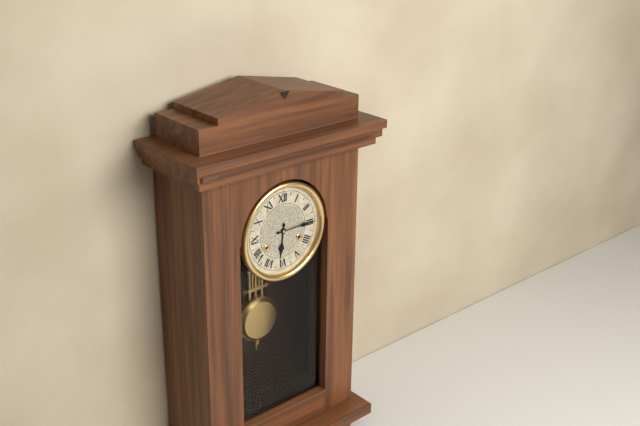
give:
6.15
